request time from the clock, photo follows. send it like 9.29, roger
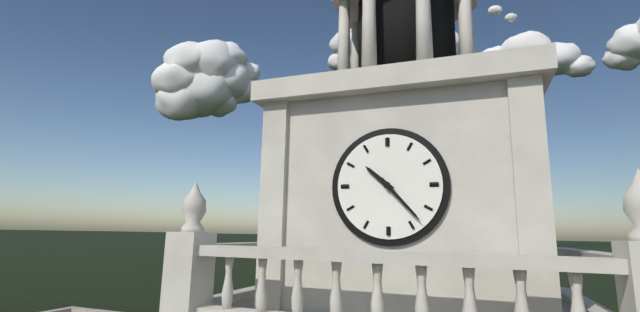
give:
10.23
